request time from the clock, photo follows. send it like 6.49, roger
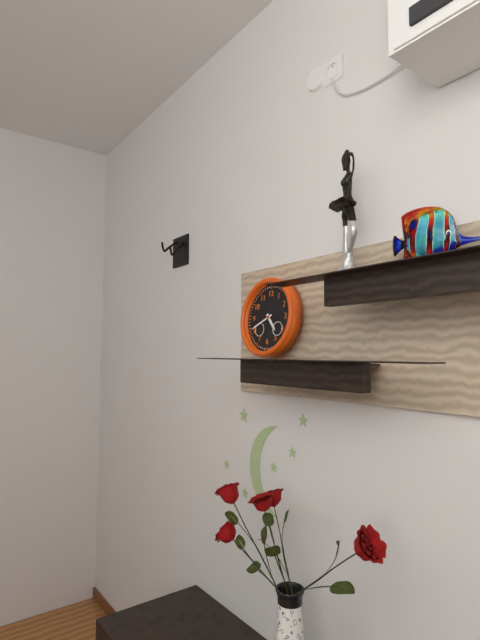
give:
4.41
